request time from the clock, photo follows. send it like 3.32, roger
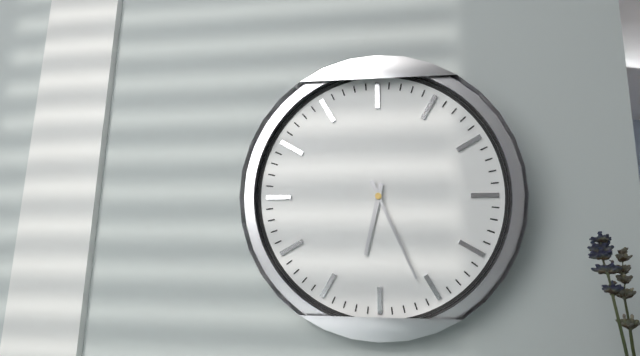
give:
6.26
